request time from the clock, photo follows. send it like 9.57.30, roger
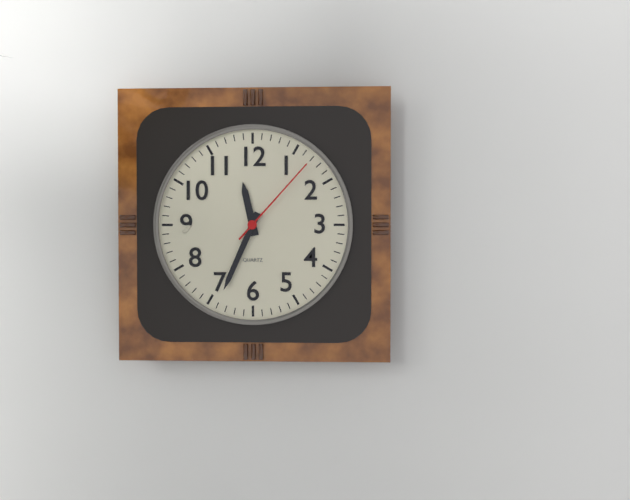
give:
11.34.07
